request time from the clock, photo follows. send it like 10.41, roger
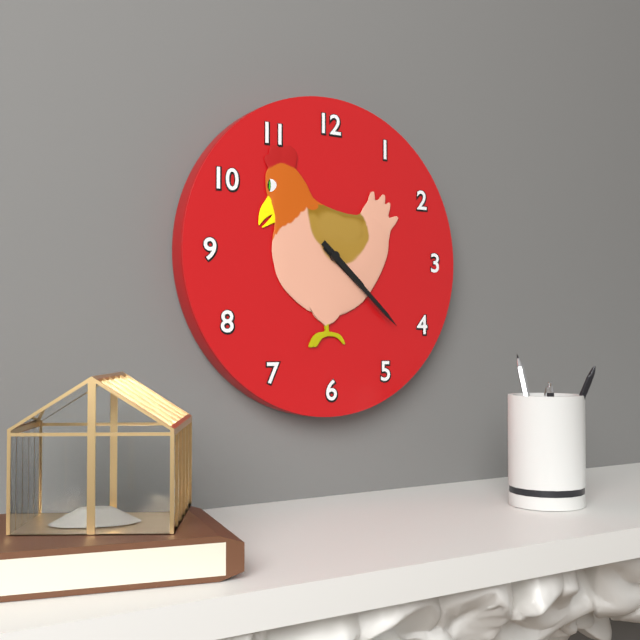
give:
4.22
